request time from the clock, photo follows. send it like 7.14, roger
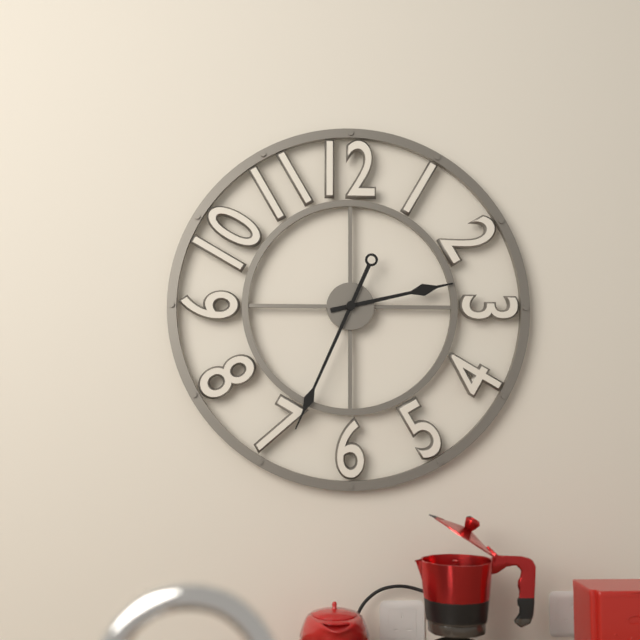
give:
2.34
